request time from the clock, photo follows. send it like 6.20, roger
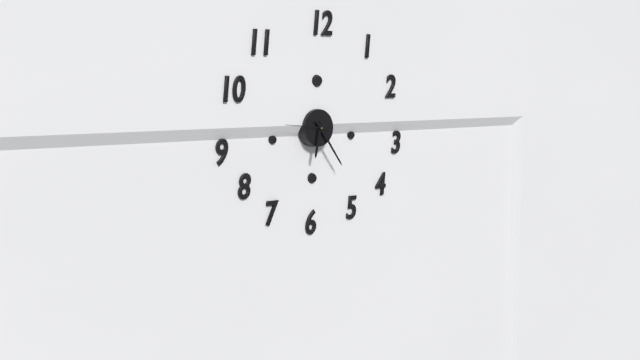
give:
6.24
